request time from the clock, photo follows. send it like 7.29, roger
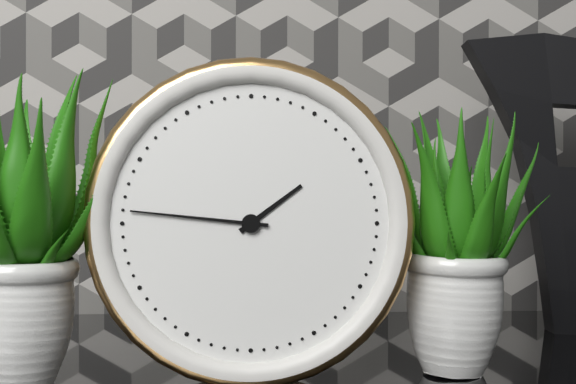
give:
1.46
